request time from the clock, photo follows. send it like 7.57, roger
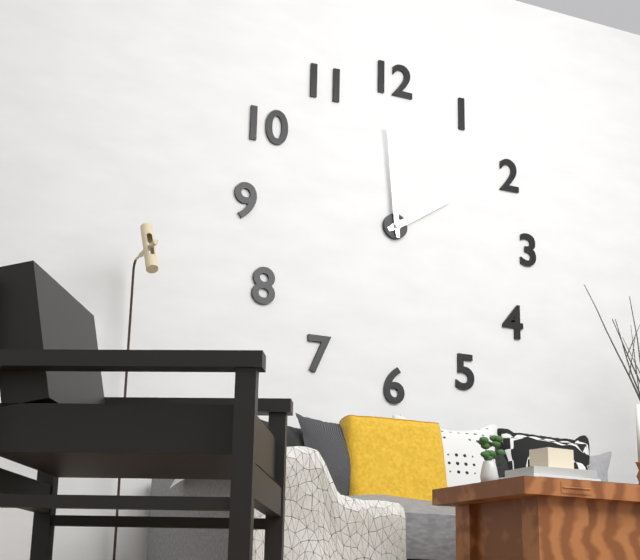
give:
1.59
